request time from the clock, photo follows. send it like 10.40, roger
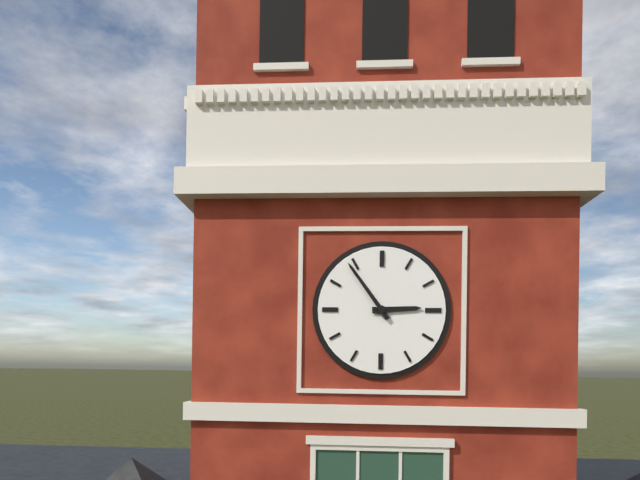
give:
2.54
